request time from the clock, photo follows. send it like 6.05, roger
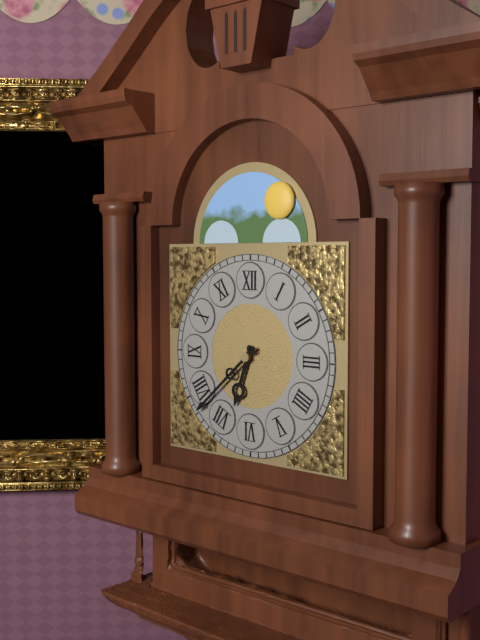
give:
6.38
